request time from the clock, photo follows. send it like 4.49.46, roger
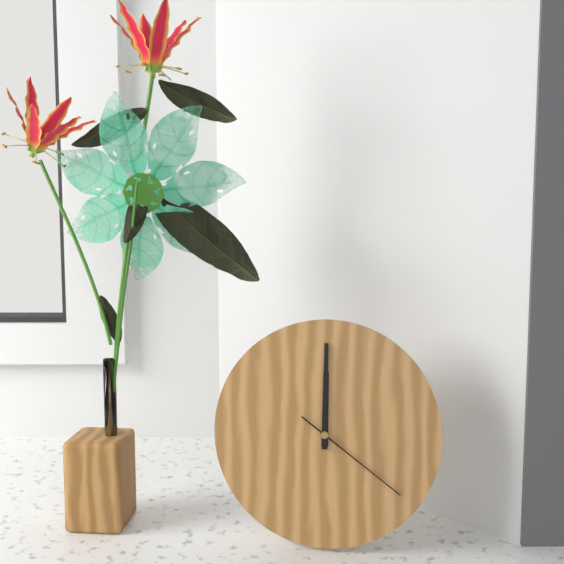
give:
12.00.21
